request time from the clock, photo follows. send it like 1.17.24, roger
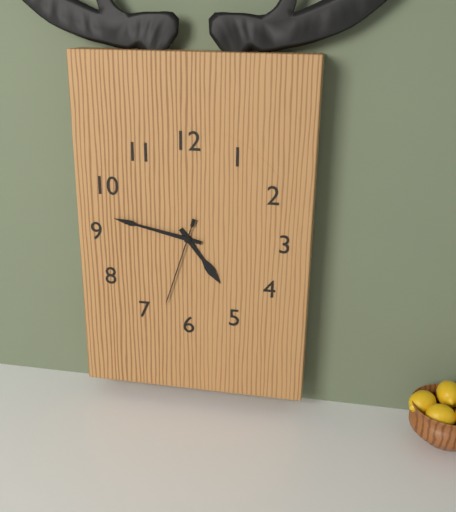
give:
4.47.33
